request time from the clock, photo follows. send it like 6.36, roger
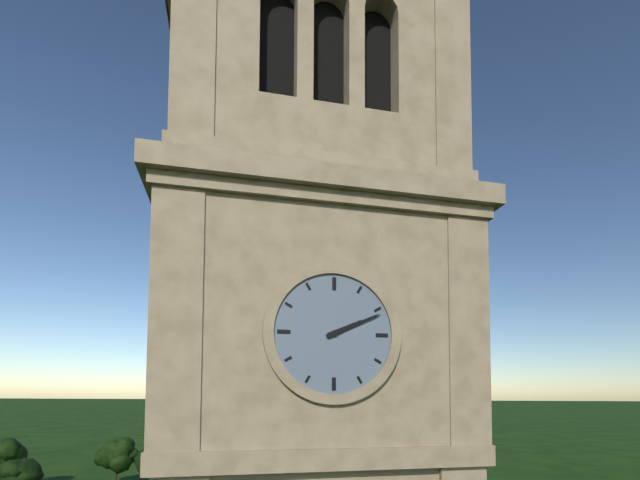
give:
2.11
